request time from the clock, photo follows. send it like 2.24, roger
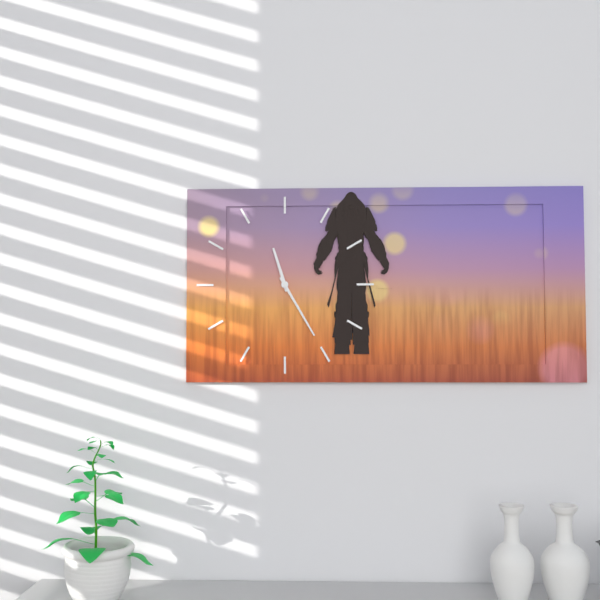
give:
11.25
